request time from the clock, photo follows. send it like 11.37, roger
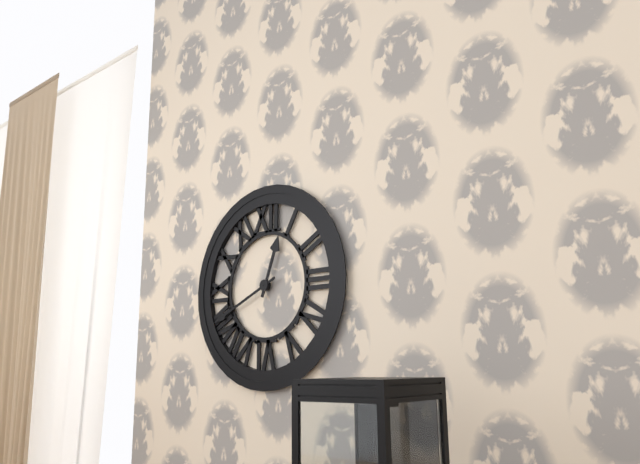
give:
12.41
